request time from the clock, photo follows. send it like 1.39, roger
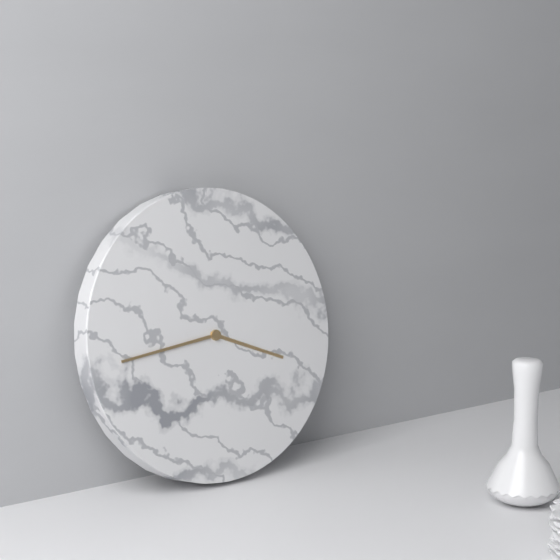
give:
3.44
